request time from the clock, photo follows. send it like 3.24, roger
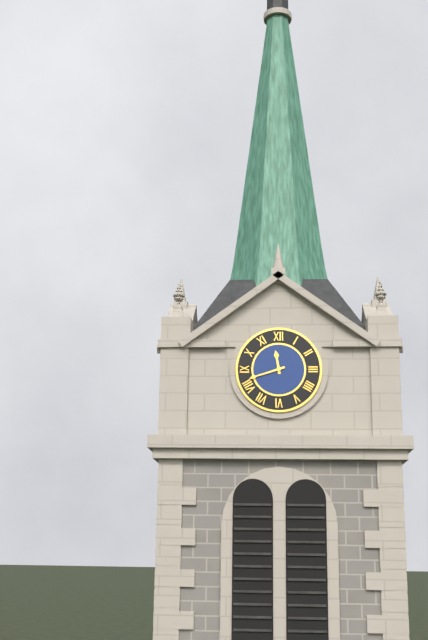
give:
11.42
